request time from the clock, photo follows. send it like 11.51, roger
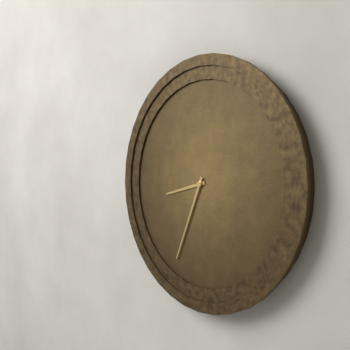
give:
8.34
